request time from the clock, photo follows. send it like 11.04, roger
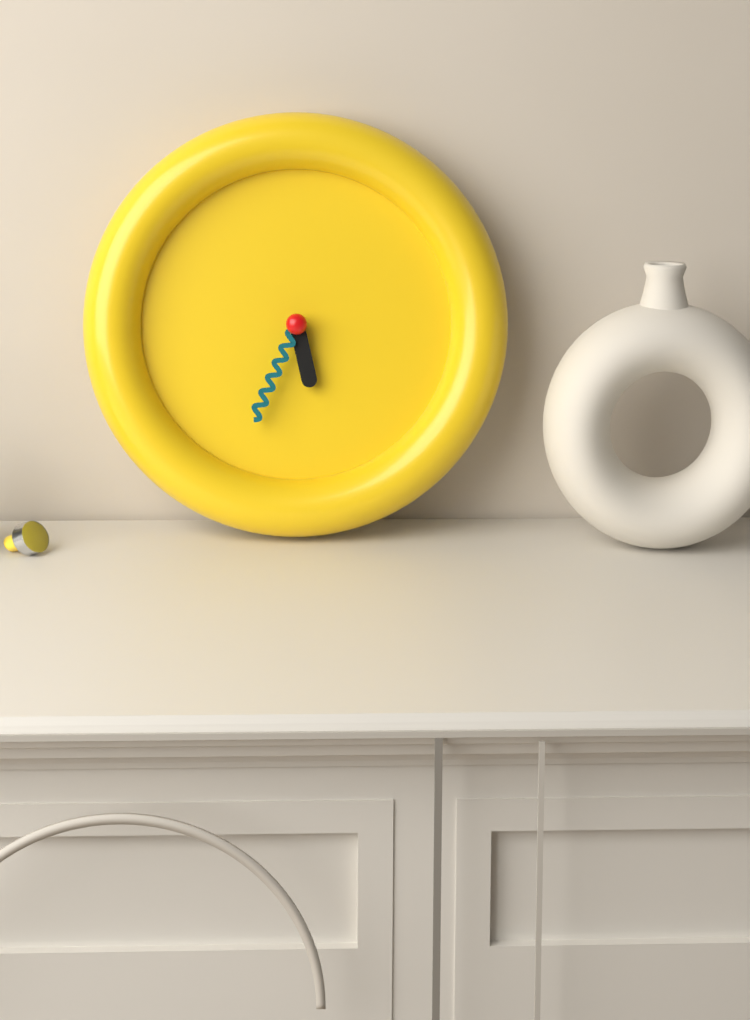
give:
5.34
